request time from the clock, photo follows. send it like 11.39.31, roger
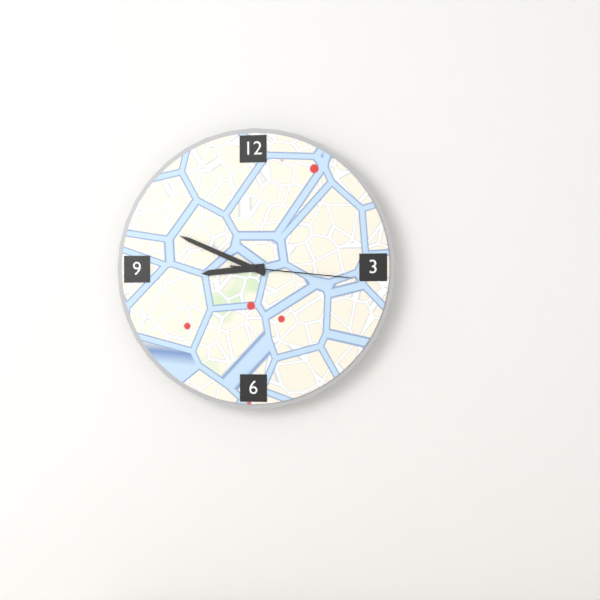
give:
8.49.16
